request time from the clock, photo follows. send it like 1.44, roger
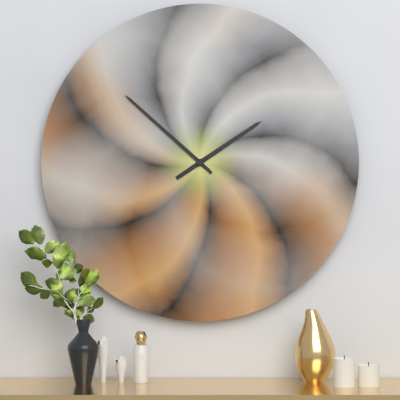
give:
1.52
